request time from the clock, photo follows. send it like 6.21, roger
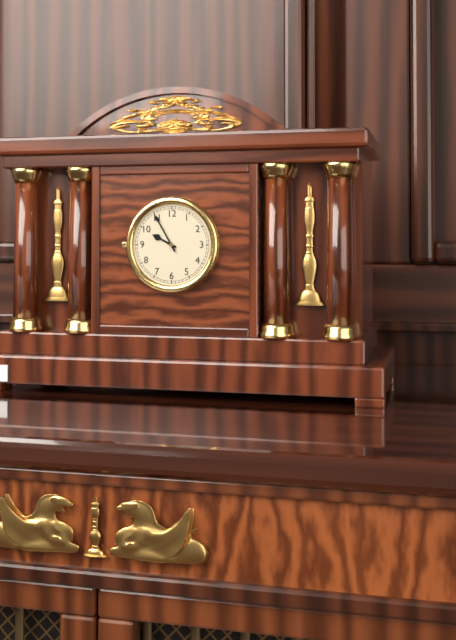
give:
9.55
